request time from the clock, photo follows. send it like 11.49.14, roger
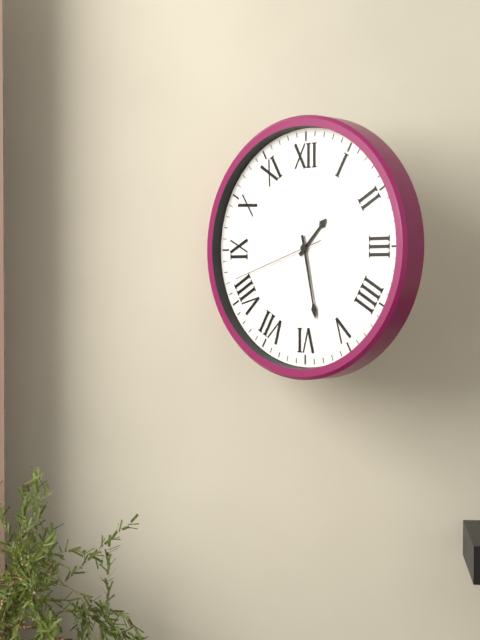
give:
1.28.42
